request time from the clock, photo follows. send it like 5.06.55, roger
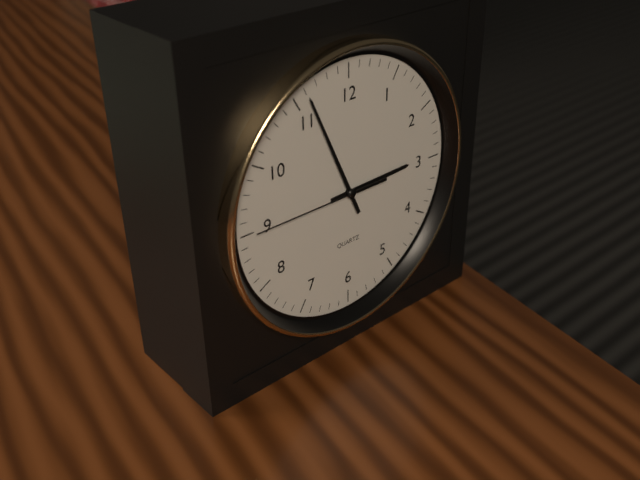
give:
2.56.45
